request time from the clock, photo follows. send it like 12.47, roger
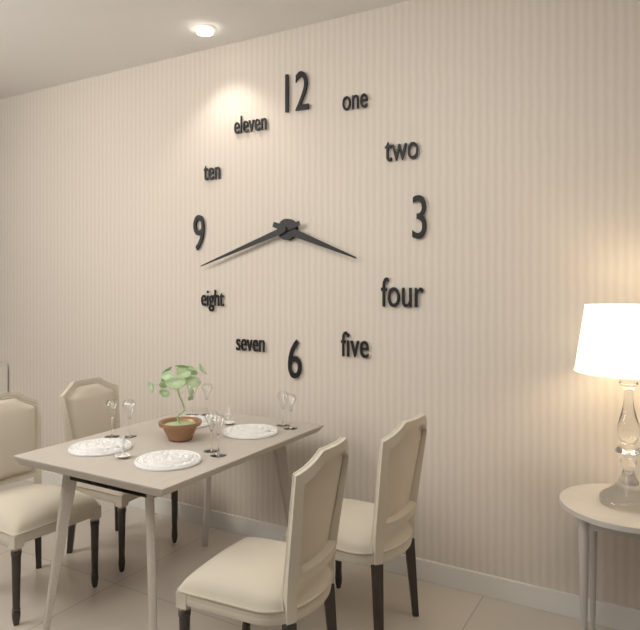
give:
3.42
